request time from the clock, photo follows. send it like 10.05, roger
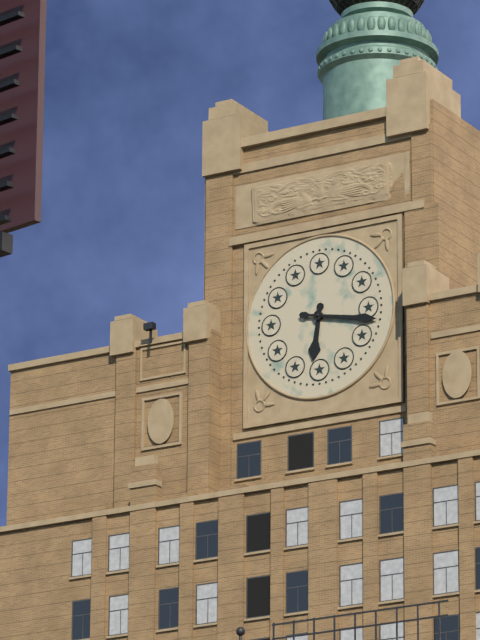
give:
6.17
